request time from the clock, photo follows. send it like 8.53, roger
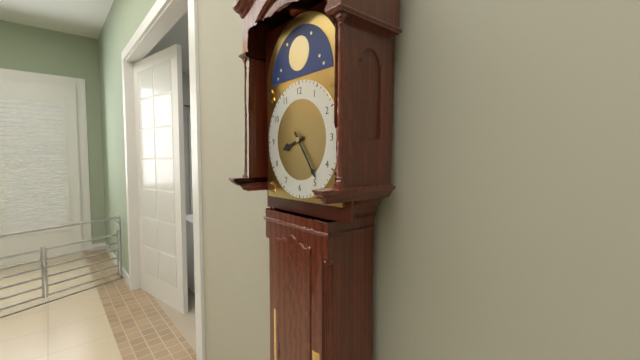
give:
8.24
